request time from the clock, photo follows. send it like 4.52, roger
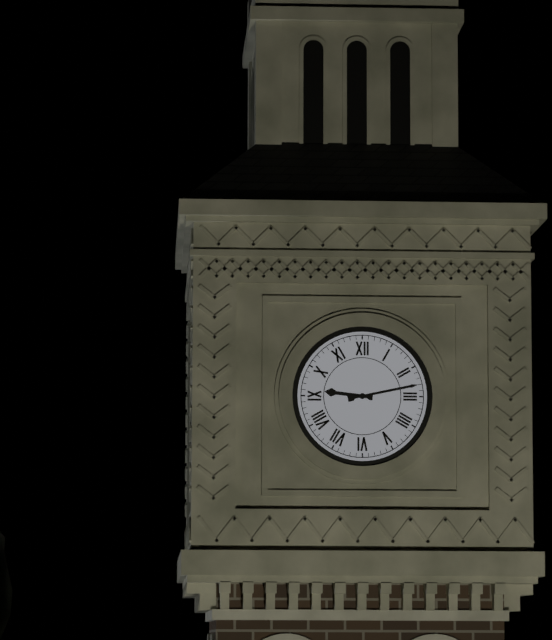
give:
9.13
